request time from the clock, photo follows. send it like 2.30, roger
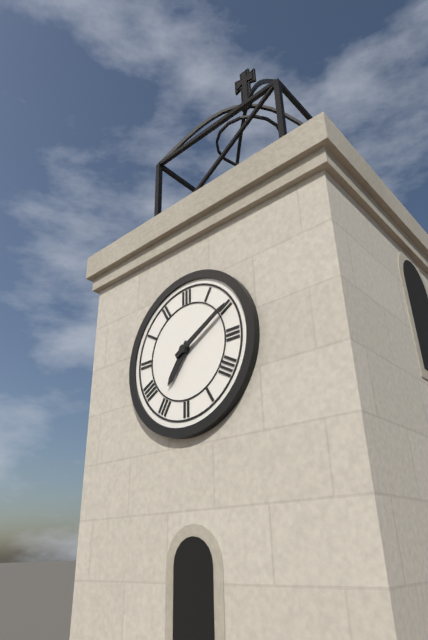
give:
7.10
